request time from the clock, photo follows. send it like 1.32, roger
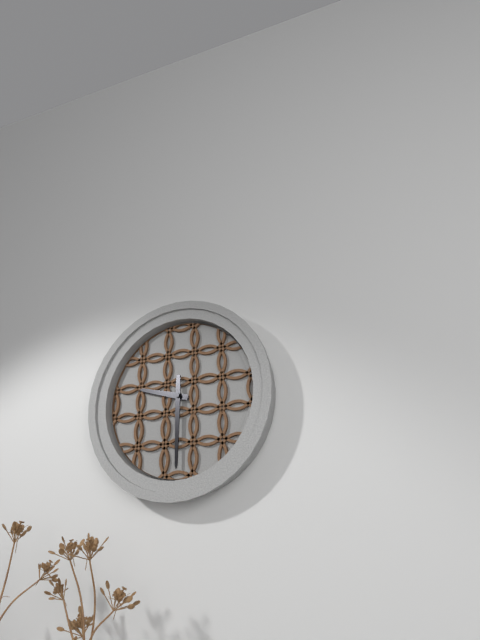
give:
9.30
